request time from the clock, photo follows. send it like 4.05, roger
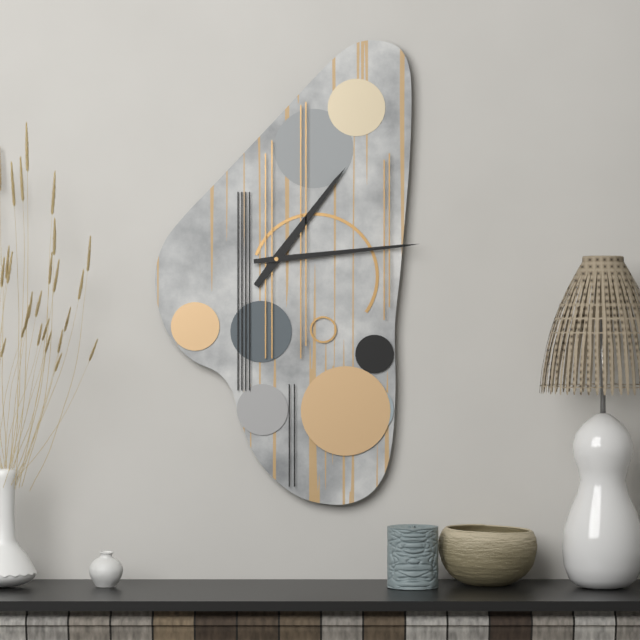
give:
1.14
